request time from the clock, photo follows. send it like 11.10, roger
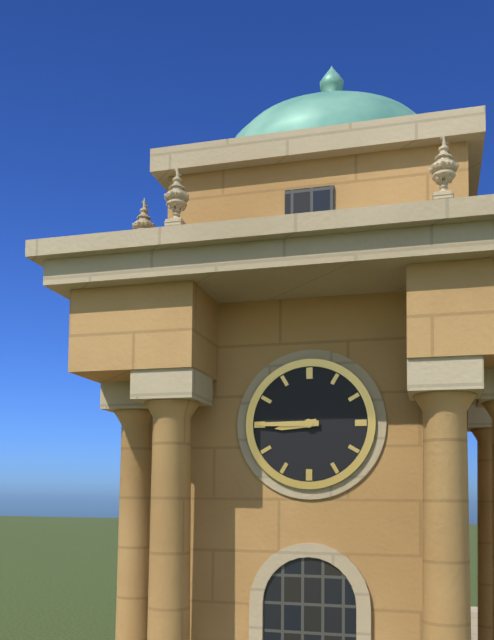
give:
8.45
